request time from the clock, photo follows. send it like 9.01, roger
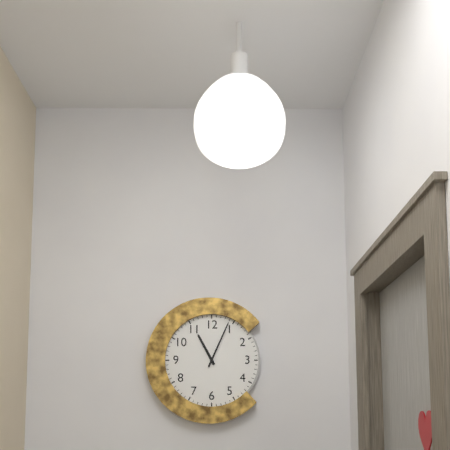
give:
11.04
